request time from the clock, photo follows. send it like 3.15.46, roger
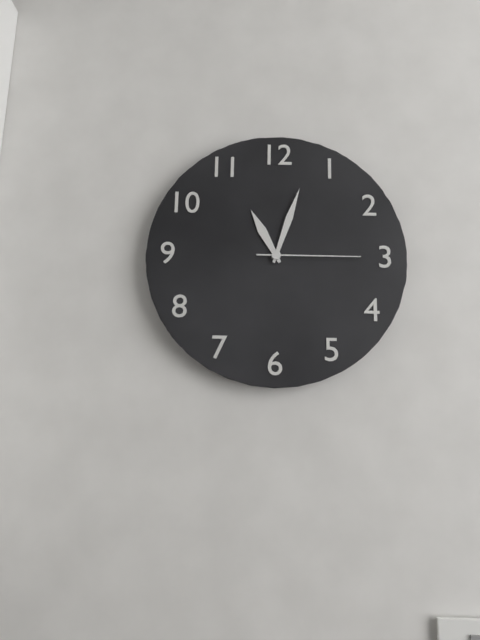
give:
11.03.15
